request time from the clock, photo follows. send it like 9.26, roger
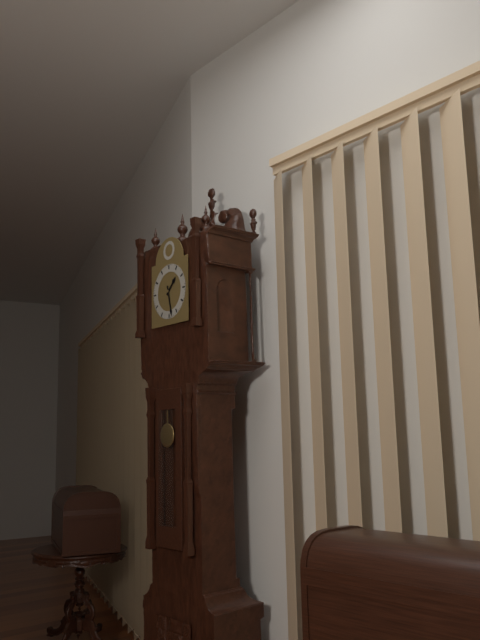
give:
1.28
